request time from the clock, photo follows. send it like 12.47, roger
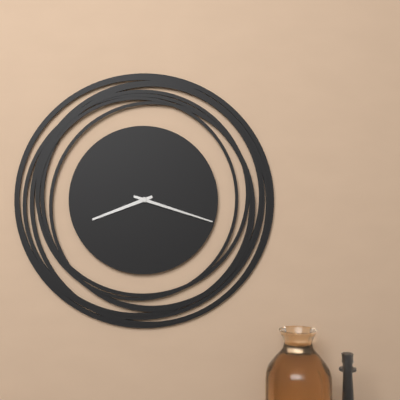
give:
8.18
